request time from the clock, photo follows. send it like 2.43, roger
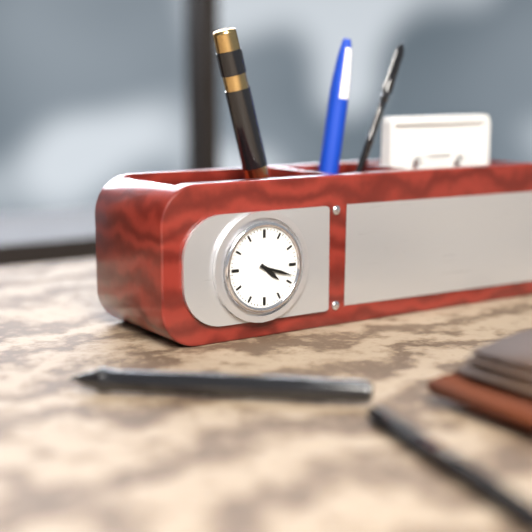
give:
4.18
